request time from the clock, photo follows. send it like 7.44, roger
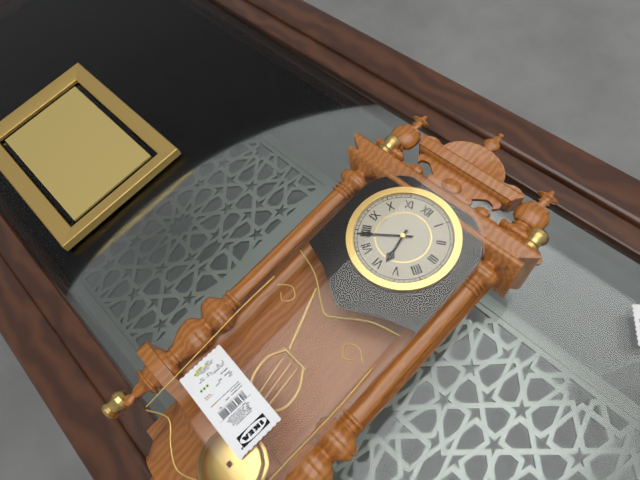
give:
5.39
